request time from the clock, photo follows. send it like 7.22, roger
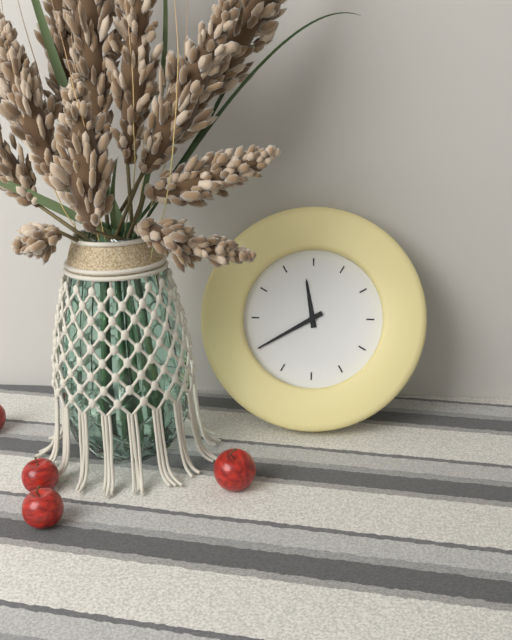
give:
11.40
